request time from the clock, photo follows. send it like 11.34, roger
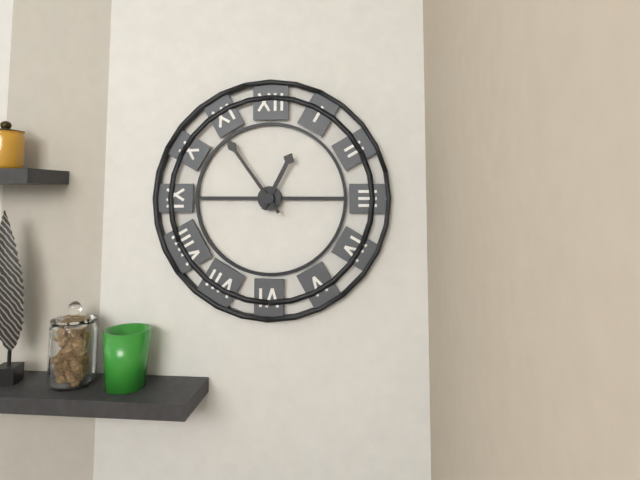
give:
12.54
